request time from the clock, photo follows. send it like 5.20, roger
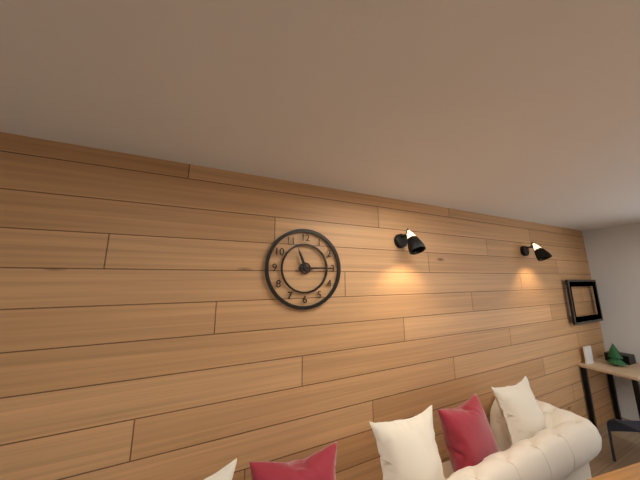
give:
11.15
